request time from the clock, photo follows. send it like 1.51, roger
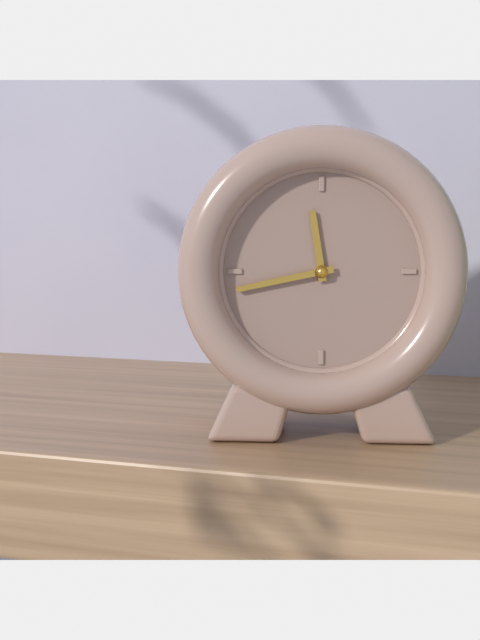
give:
11.43
